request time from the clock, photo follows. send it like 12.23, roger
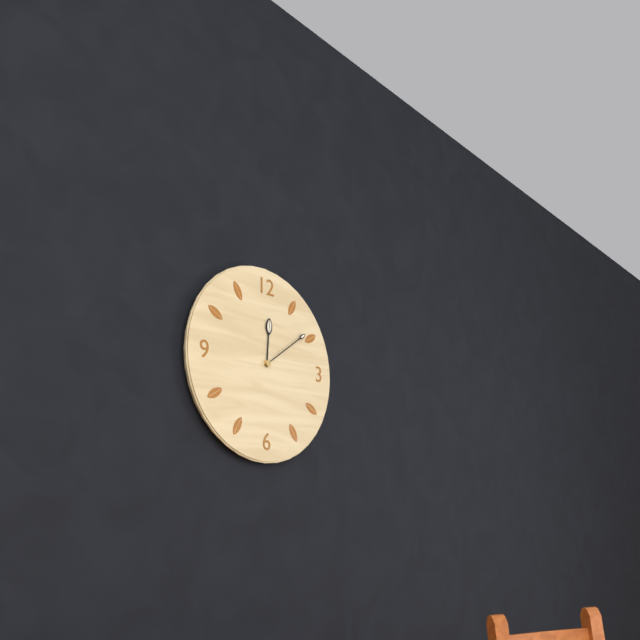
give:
12.09
